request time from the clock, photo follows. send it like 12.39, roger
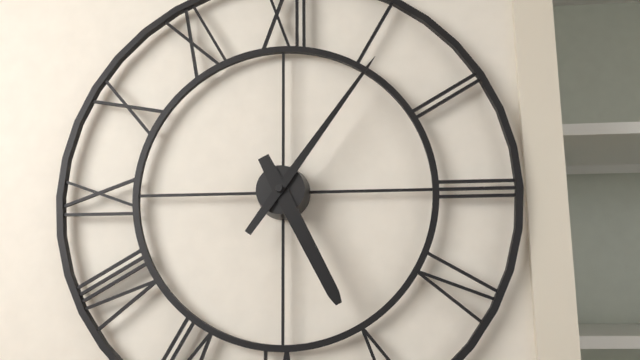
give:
5.06
